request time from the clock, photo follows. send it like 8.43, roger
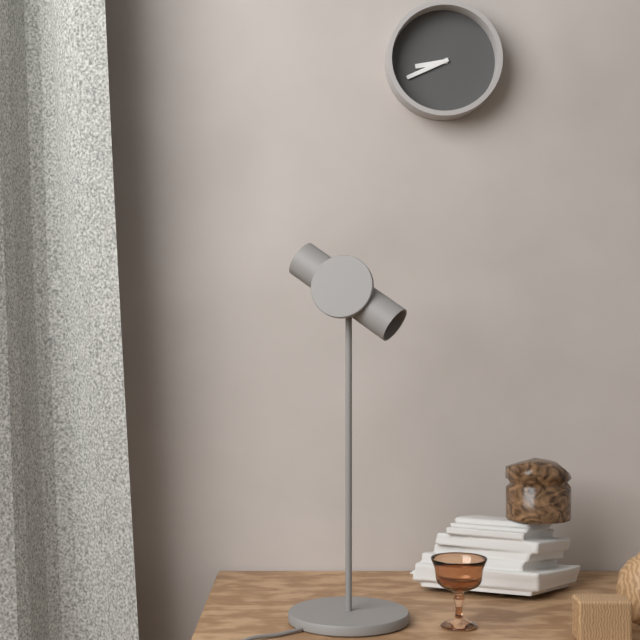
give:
8.41
